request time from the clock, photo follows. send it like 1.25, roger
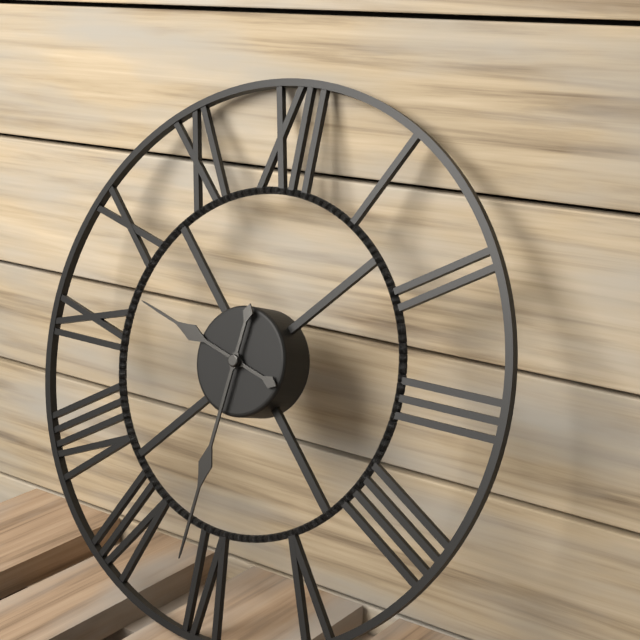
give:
9.31
